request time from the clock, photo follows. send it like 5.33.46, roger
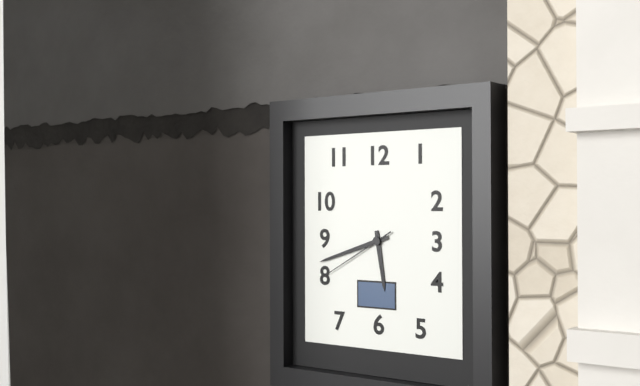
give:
5.42.40
